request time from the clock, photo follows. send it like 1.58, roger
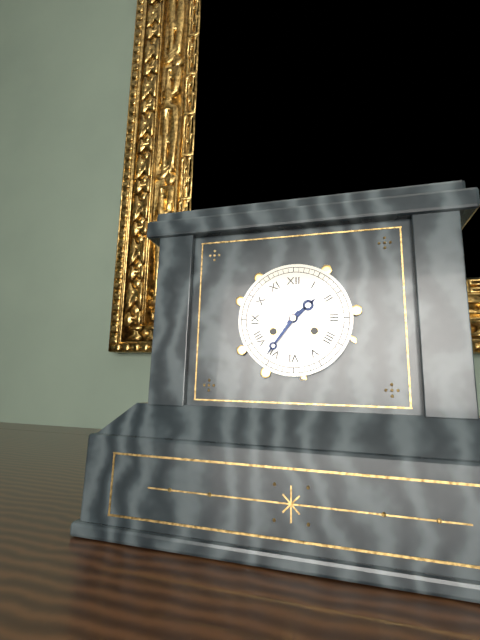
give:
1.36
